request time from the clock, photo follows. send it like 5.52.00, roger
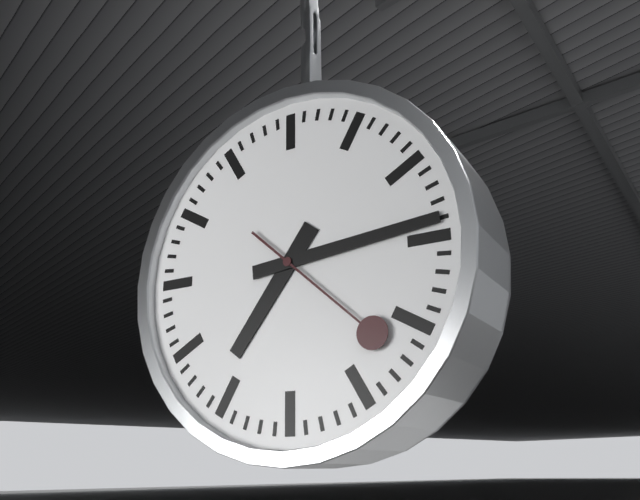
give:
7.14.22
